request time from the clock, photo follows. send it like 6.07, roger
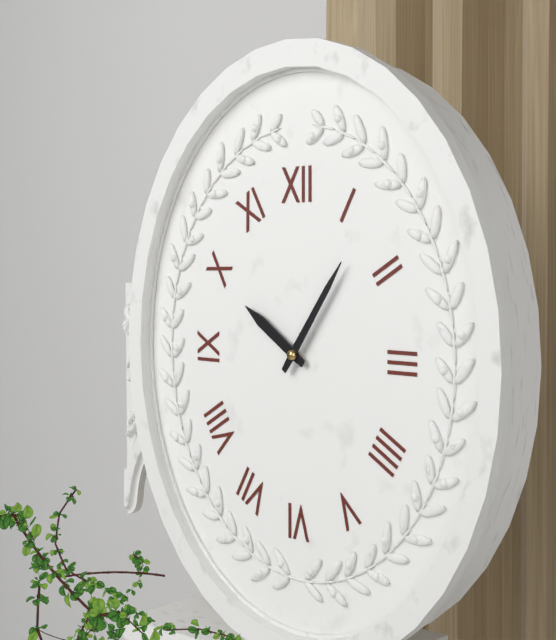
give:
10.06
